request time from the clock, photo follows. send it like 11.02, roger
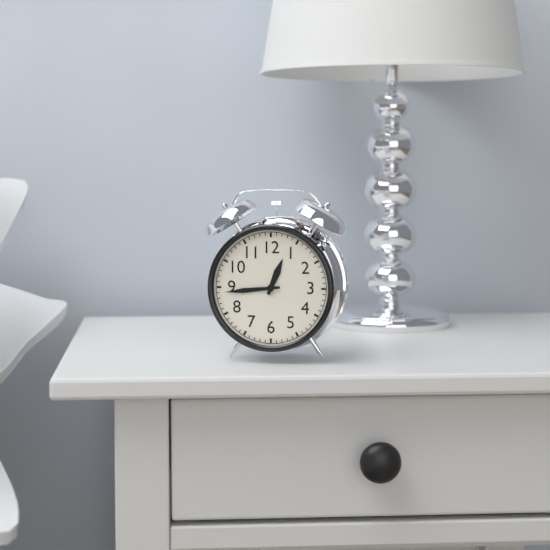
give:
12.44
